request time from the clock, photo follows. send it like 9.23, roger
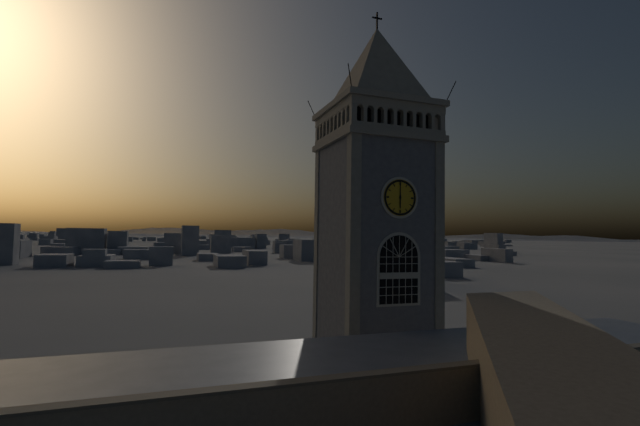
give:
6.00
